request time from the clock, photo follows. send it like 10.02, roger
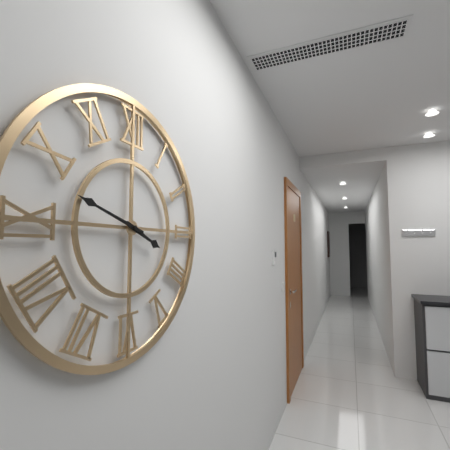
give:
3.48
